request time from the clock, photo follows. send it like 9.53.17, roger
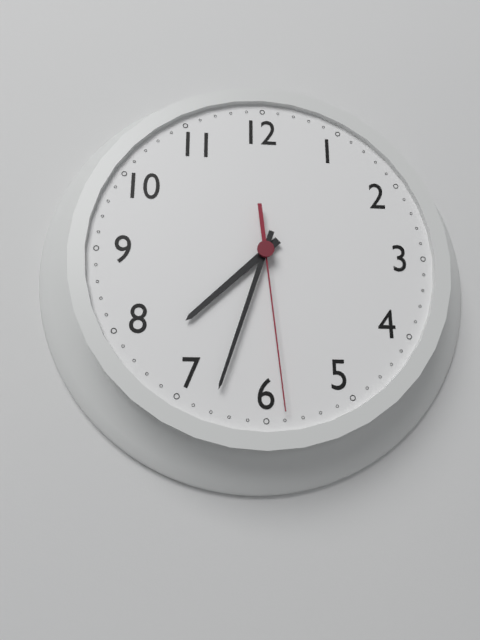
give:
7.33.29
